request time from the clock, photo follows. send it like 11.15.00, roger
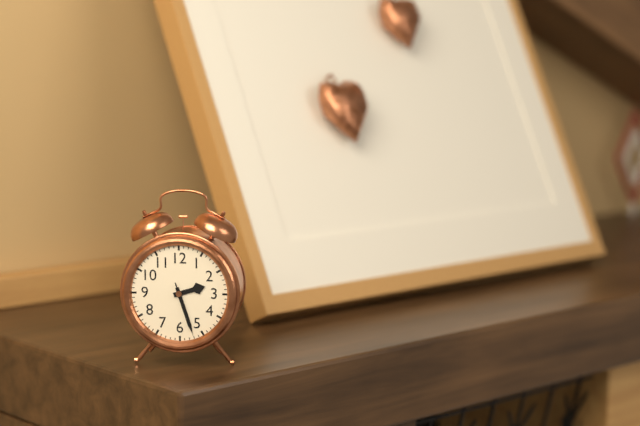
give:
2.27.27
